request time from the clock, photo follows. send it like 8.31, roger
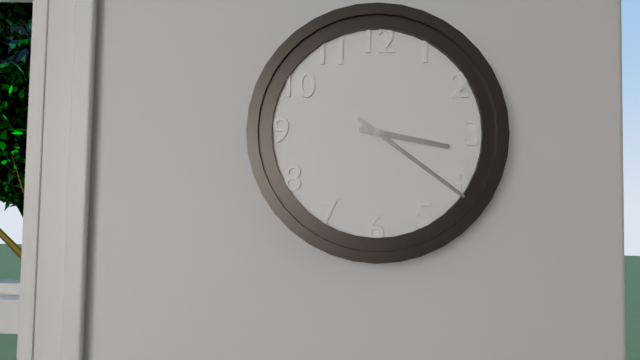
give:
3.21
